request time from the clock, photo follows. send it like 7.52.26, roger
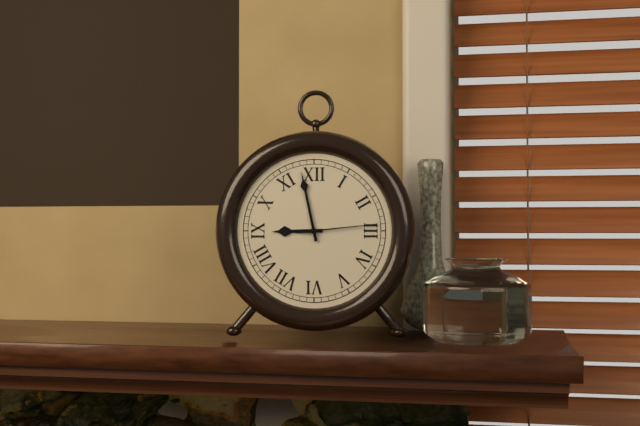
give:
8.58.14
